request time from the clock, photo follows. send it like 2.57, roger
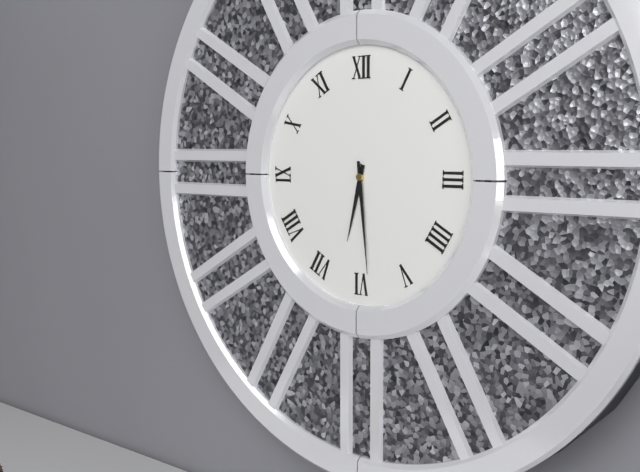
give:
6.29
